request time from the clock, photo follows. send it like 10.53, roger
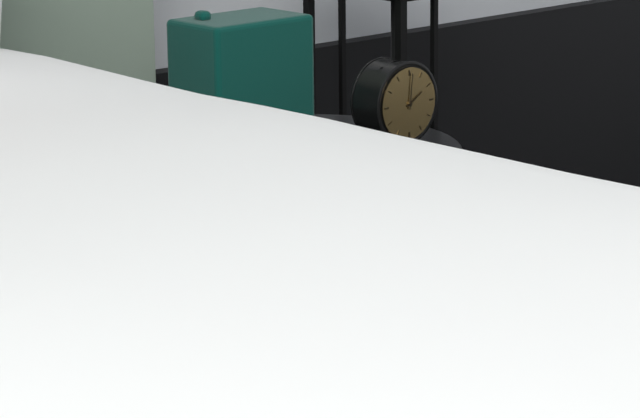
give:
2.01
